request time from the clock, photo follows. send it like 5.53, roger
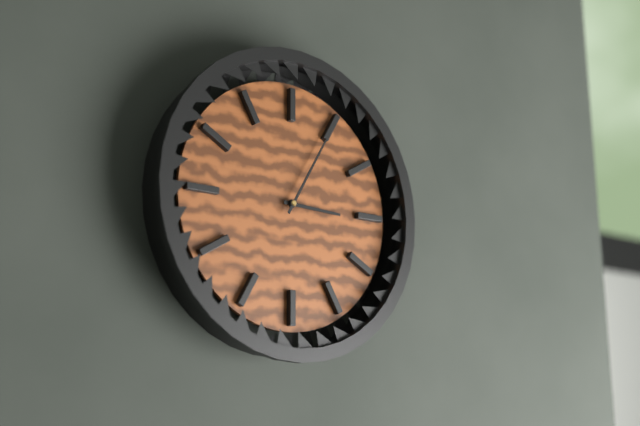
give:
3.05
